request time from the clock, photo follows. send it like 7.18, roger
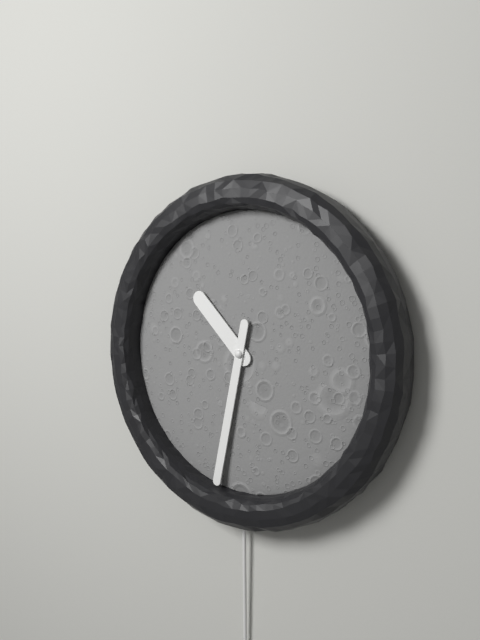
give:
10.32
